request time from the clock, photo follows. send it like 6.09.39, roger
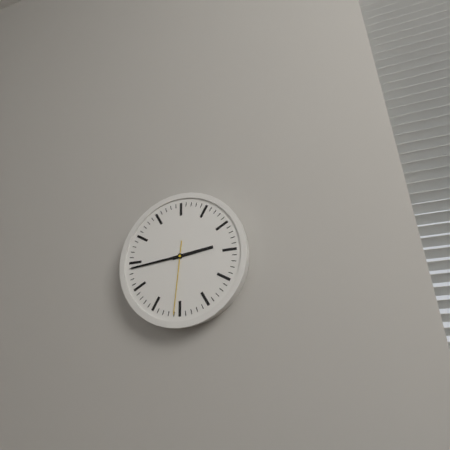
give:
2.44.31
